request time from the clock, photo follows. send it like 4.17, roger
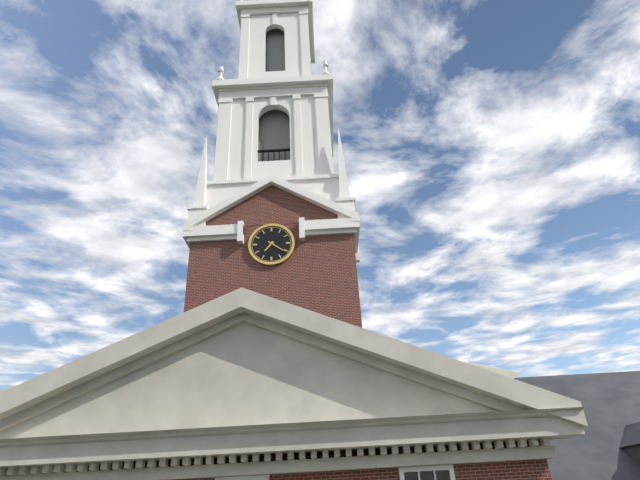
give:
7.21
